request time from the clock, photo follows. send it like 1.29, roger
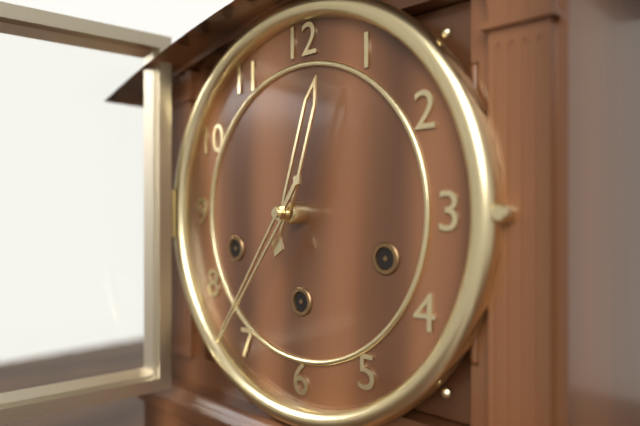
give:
12.36
